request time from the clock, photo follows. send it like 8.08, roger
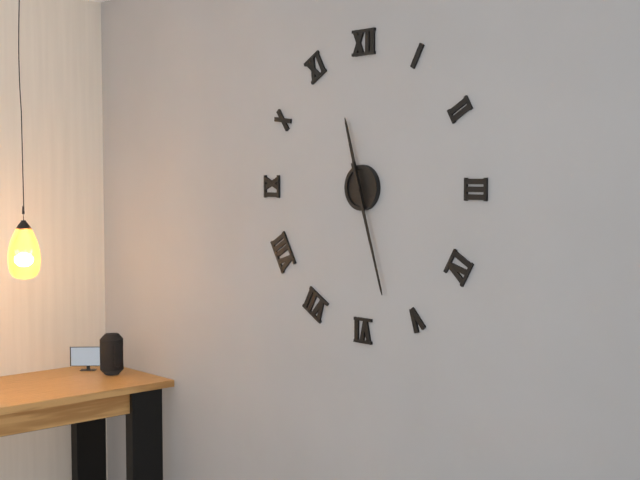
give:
11.27
